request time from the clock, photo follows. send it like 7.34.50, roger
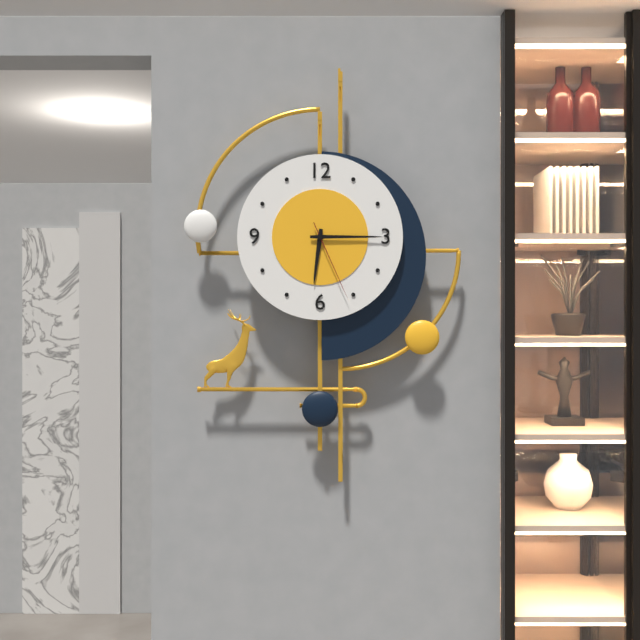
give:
6.15.26
